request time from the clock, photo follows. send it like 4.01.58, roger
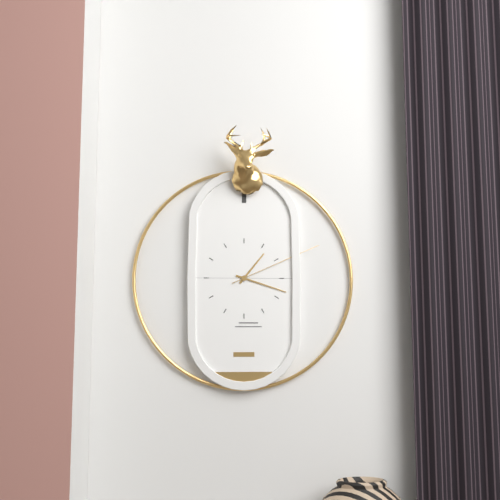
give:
1.18.11
